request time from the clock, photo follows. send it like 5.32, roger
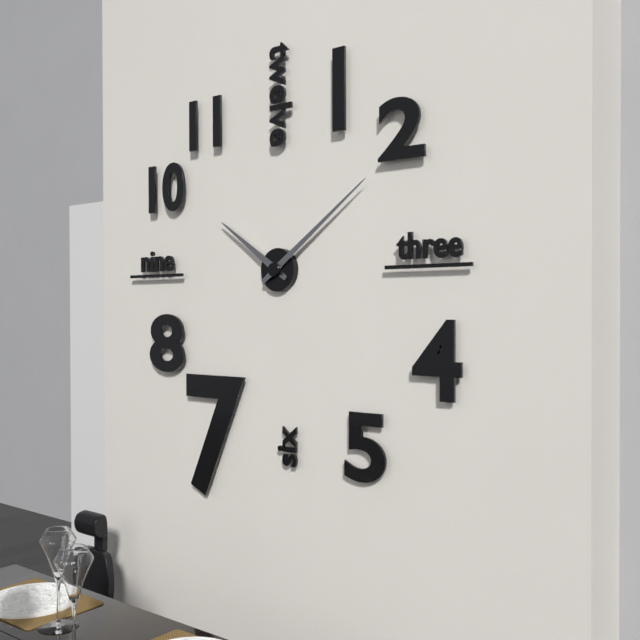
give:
10.09
